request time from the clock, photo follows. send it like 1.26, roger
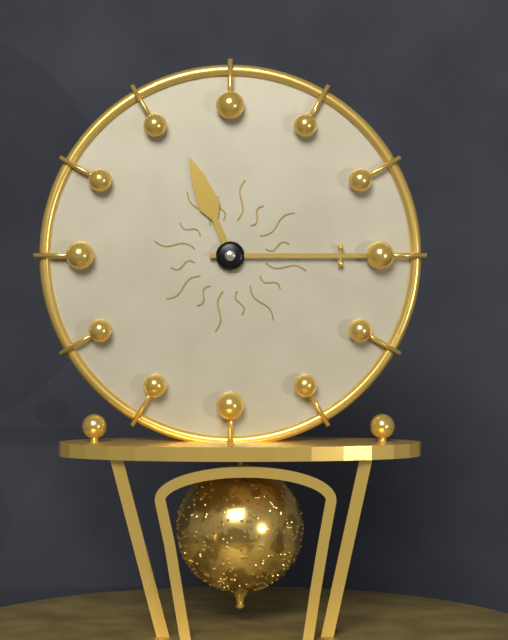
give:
11.15
